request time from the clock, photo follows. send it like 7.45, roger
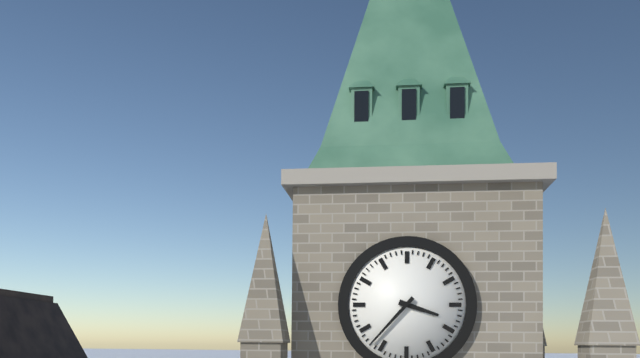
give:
3.37
